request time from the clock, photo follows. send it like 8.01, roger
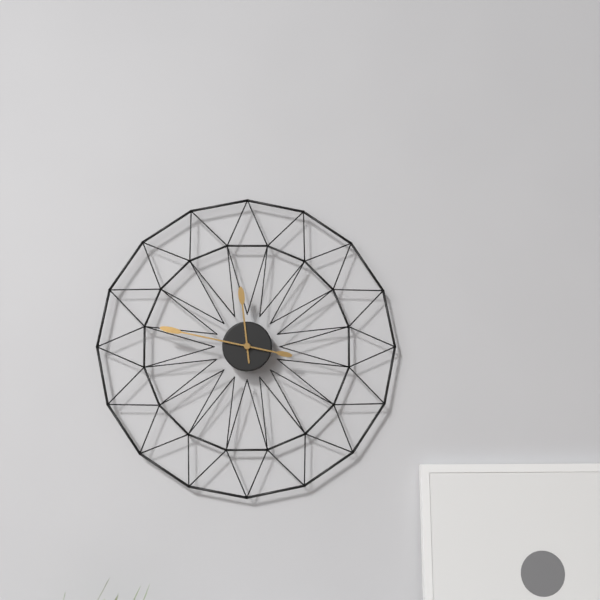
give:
11.47
